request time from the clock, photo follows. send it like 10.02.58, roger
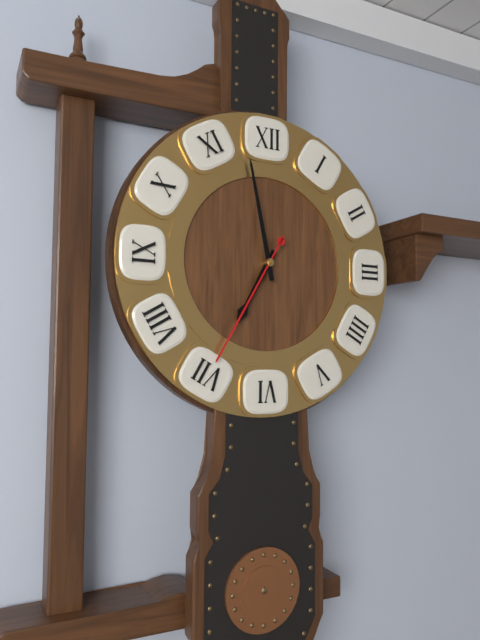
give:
6.58.35
